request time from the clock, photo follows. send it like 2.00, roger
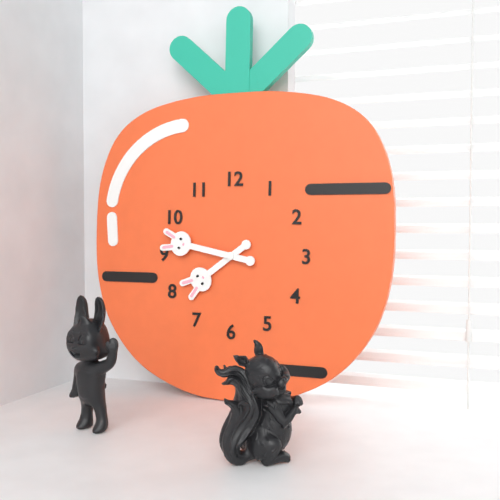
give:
7.47
